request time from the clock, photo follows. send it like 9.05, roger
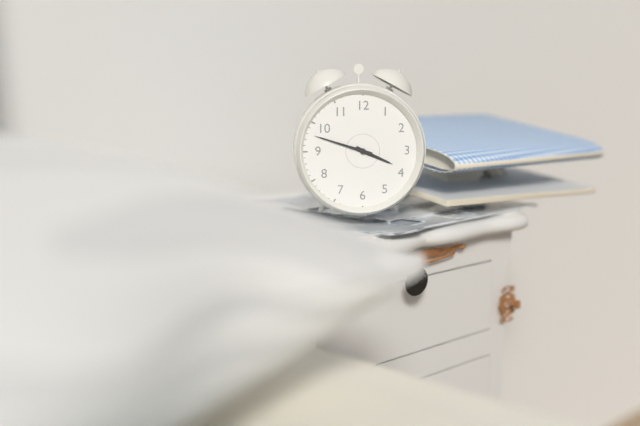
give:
3.48
